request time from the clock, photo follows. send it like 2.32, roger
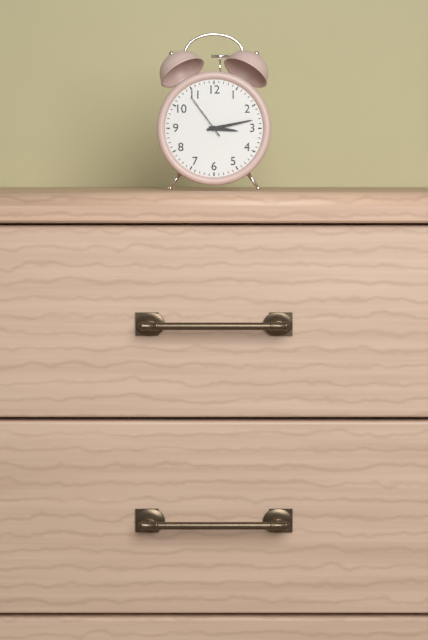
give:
3.13
